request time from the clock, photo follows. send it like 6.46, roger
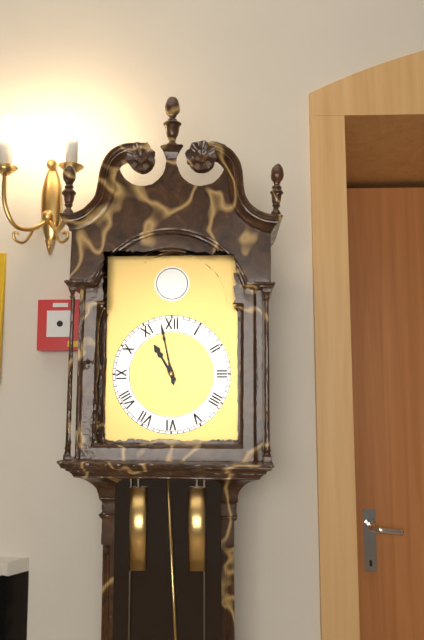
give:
10.58
